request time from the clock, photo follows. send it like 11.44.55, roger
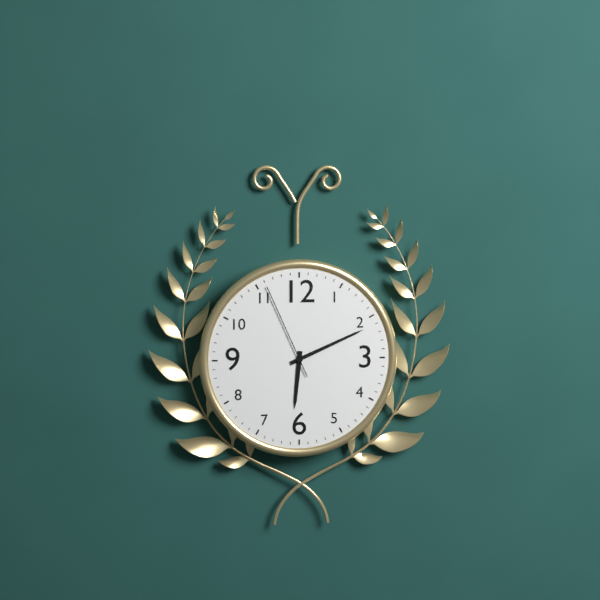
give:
6.11.56
